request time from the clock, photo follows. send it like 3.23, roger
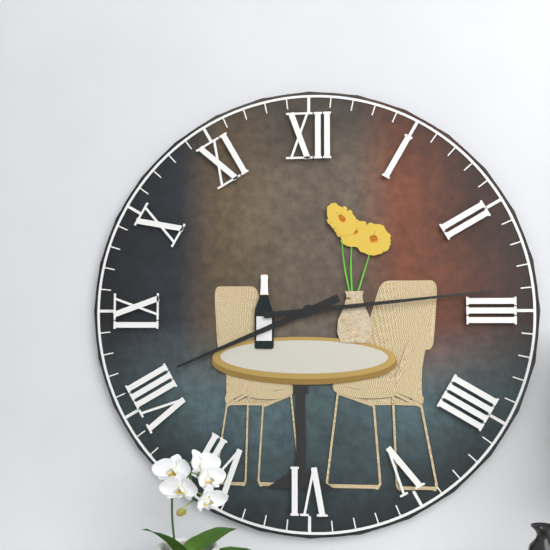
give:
8.14
